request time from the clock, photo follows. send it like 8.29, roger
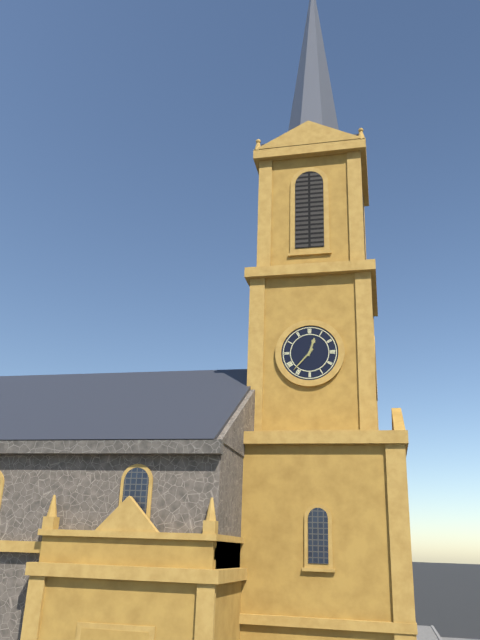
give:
12.37
